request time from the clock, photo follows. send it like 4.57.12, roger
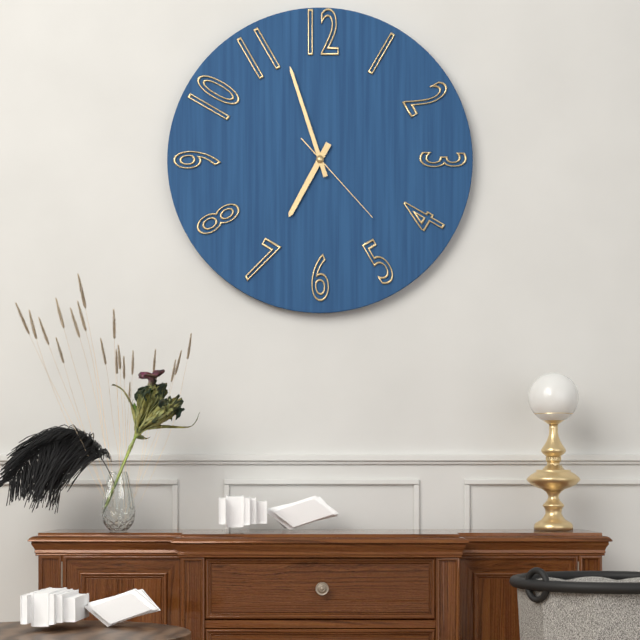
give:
6.57.23
